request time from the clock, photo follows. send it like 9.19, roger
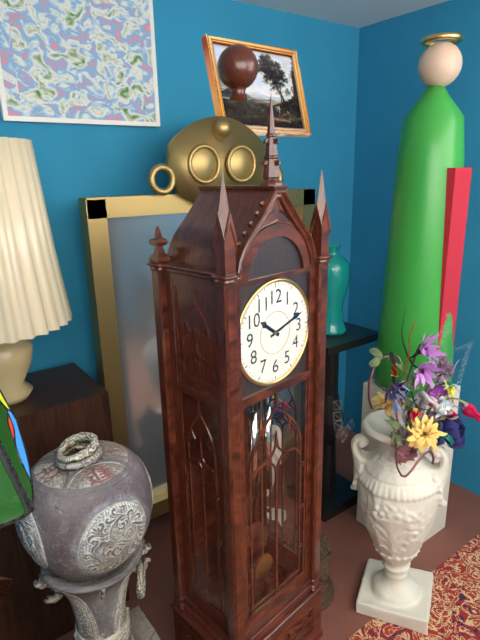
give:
10.12
